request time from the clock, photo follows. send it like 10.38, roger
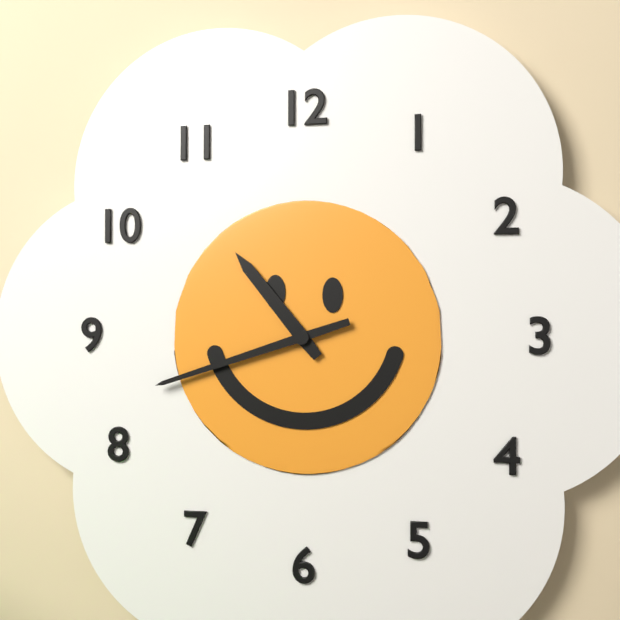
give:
10.42
